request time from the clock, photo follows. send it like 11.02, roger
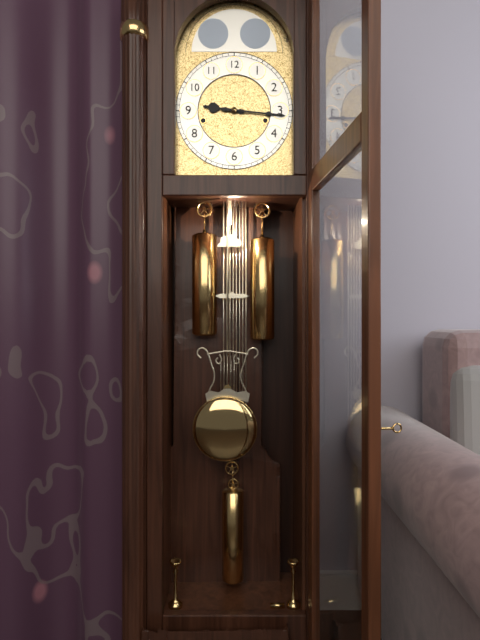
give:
9.16
